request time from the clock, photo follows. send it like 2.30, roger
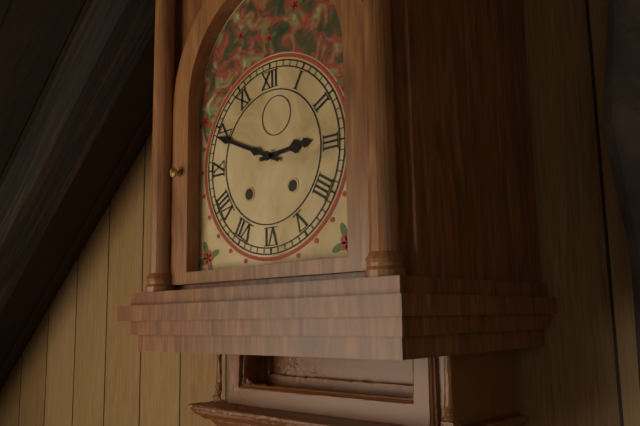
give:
2.49
